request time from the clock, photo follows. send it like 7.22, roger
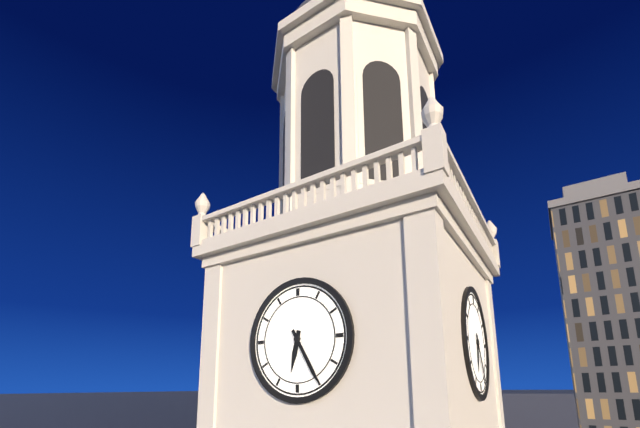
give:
6.25
